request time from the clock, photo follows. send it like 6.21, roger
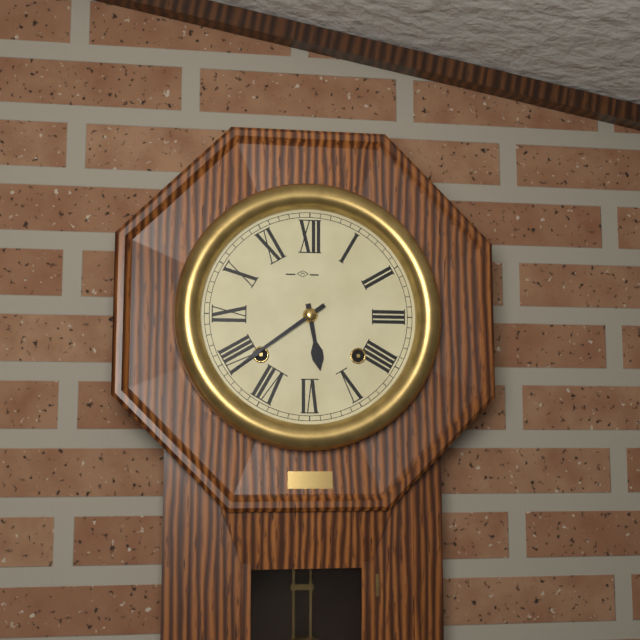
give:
5.39
